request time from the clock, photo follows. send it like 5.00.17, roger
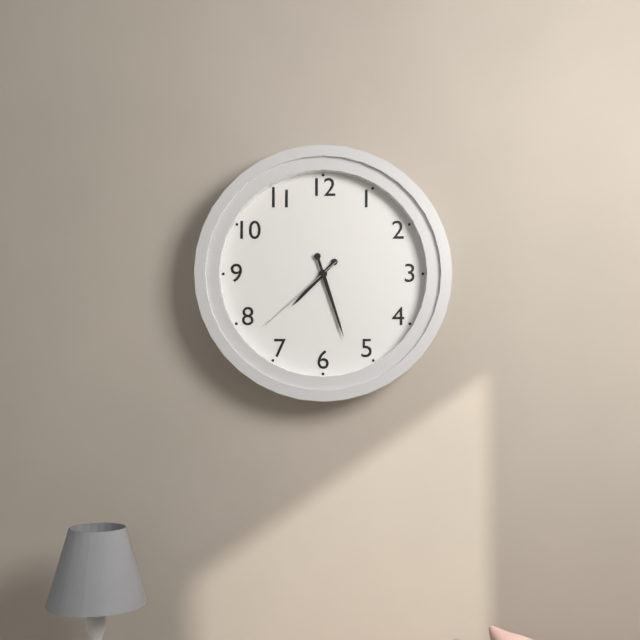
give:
7.27.38
